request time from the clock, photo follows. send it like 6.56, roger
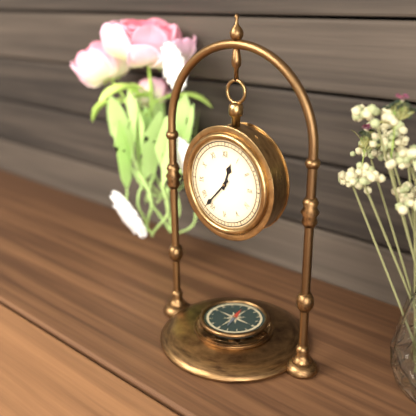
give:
12.37
